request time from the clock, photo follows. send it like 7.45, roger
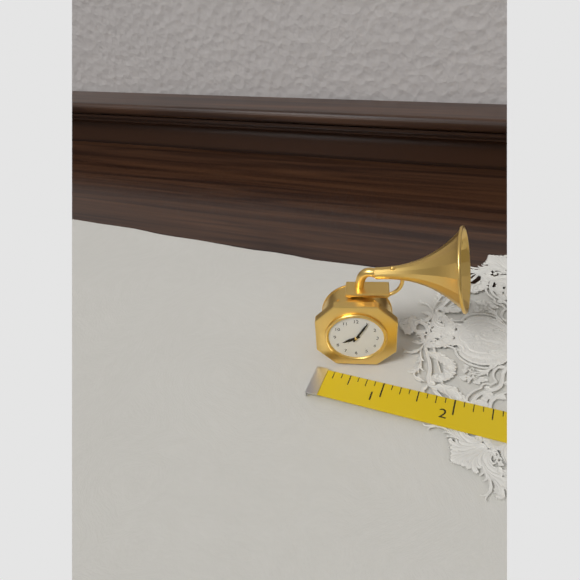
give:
8.05
